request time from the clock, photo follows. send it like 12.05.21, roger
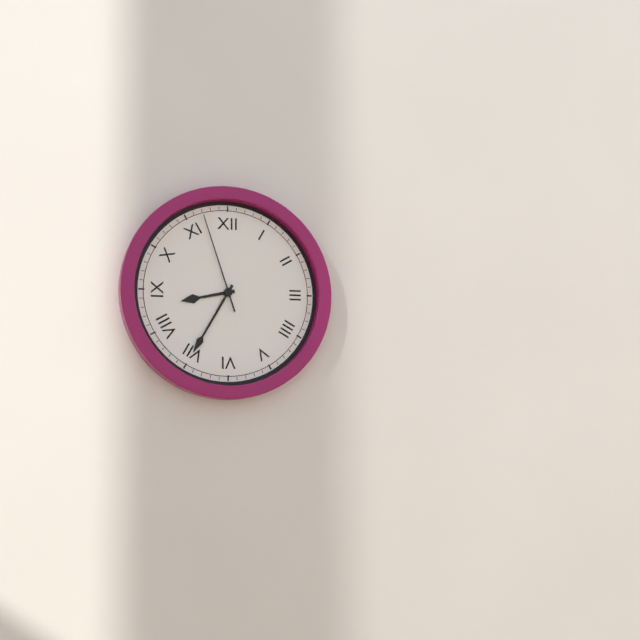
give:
8.35.57
